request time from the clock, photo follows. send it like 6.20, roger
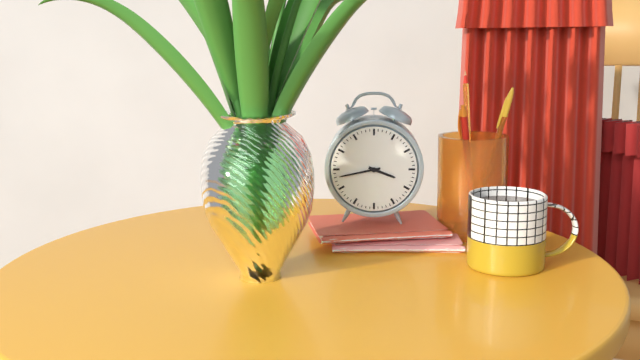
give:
3.43
